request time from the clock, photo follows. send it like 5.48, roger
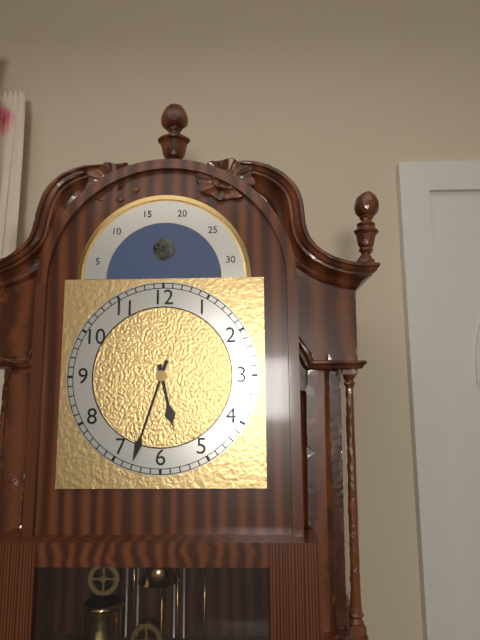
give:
5.33
